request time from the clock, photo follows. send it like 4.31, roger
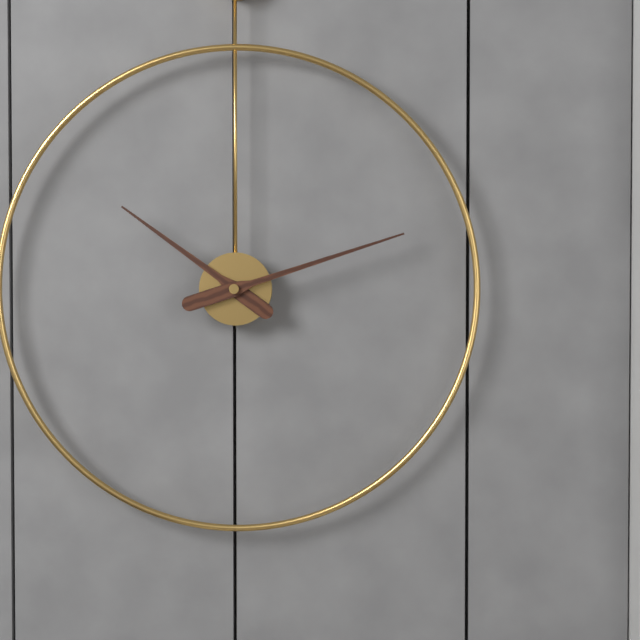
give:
10.12
